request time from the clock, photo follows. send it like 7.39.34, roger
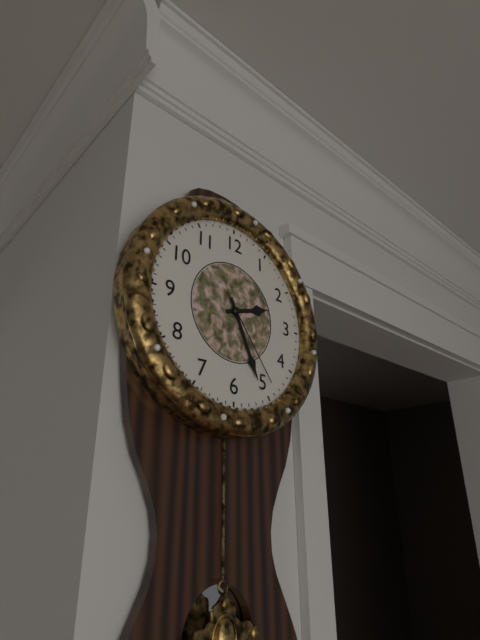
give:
2.26.24
